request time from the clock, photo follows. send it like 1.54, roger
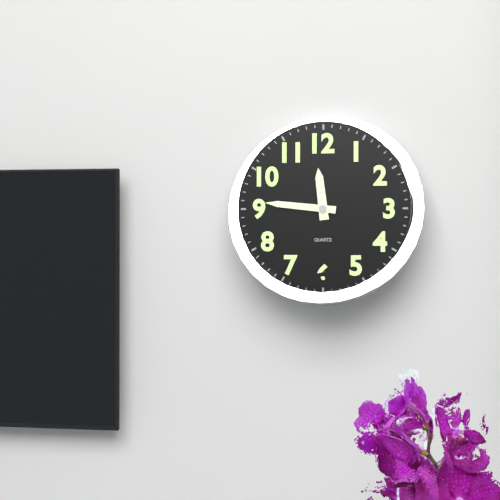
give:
11.46
